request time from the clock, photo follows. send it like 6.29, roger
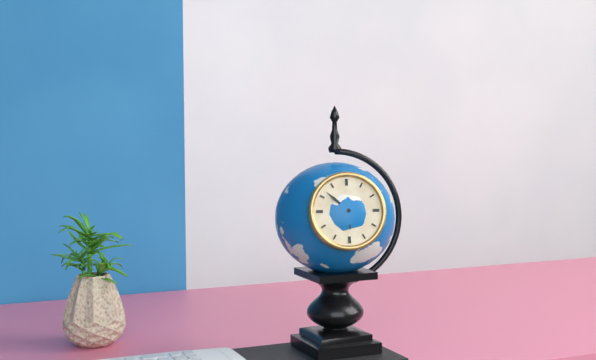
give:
5.52
